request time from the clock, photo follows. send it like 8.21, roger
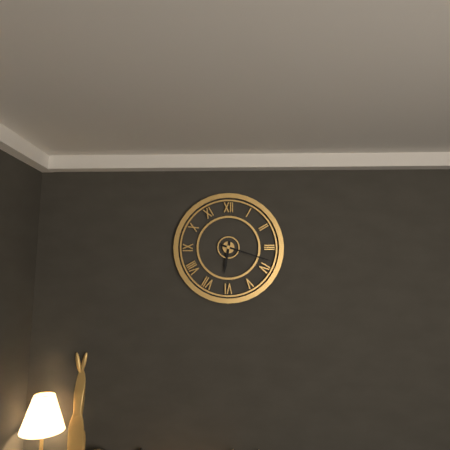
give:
6.18
